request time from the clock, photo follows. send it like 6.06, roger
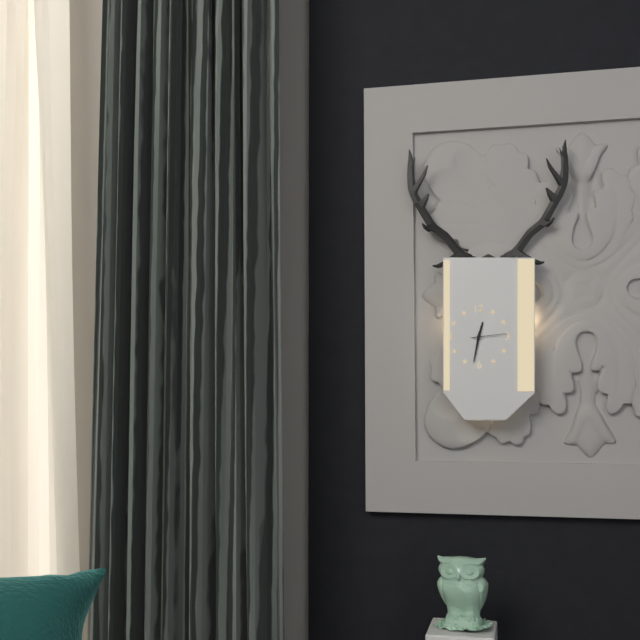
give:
12.32
